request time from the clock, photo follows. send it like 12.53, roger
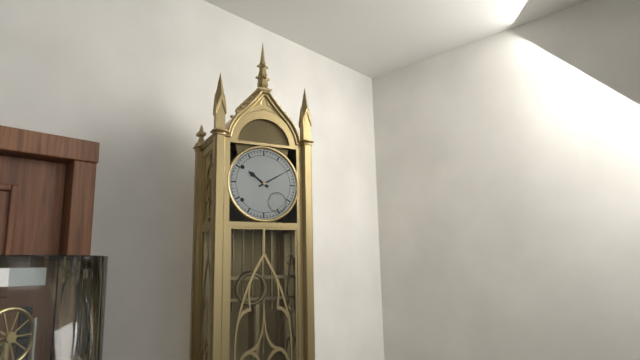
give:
10.10
